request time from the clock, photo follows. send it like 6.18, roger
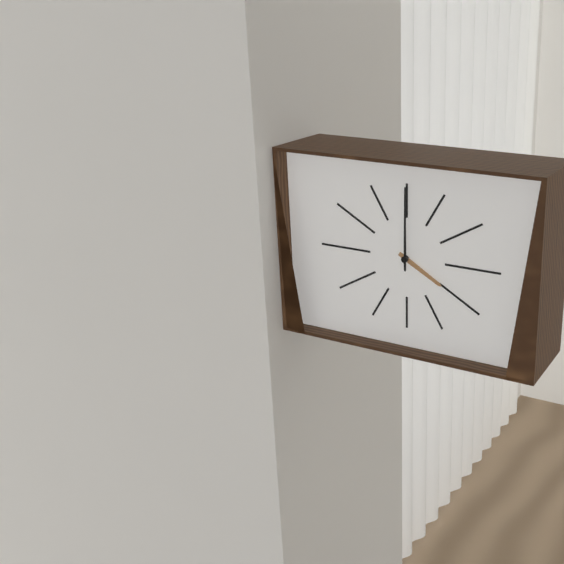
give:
4.00
